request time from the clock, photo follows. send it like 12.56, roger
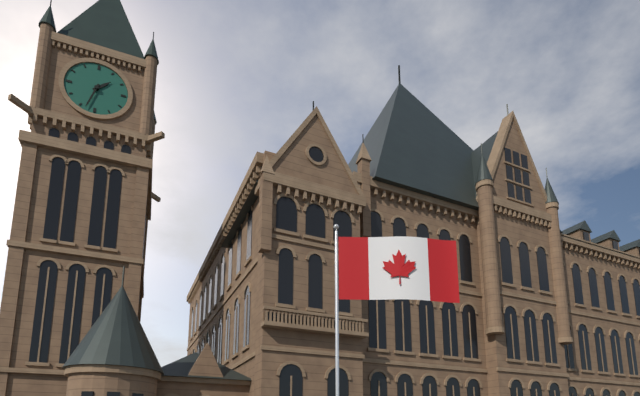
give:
1.33
